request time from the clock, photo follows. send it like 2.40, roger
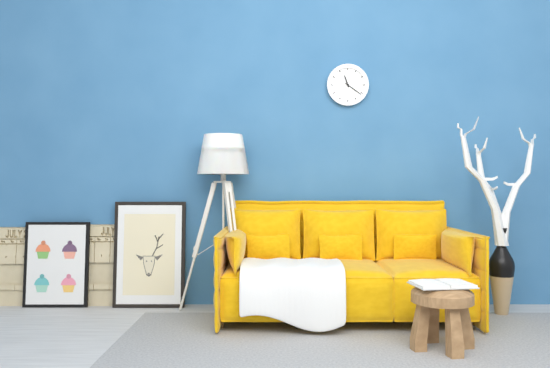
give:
11.21
